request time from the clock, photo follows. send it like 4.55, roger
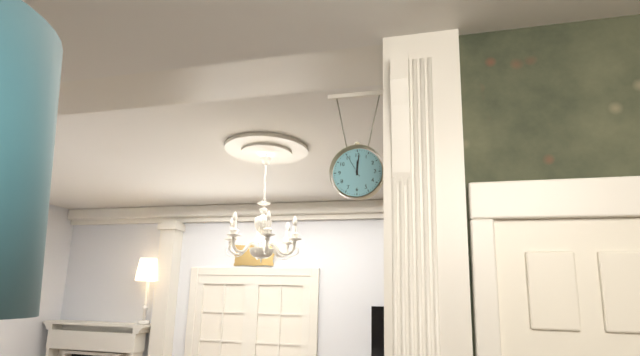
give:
12.01
